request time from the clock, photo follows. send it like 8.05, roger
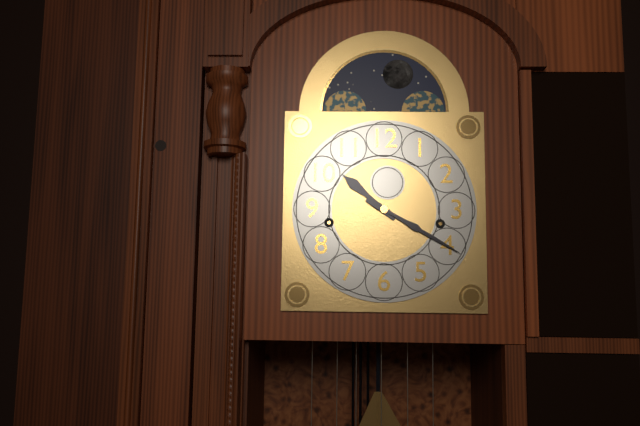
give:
10.20
